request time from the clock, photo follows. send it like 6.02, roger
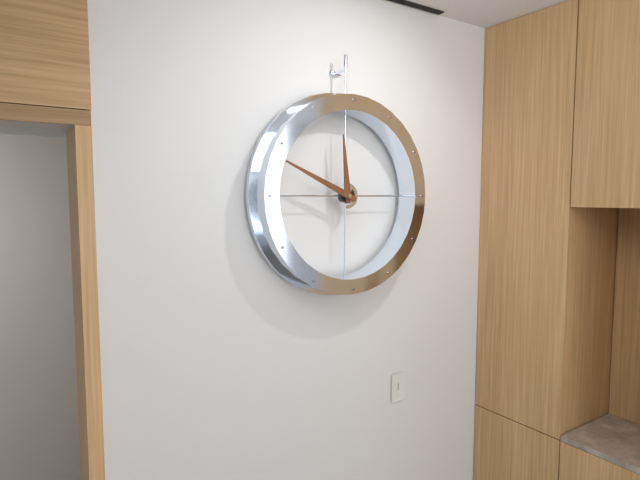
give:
11.49
